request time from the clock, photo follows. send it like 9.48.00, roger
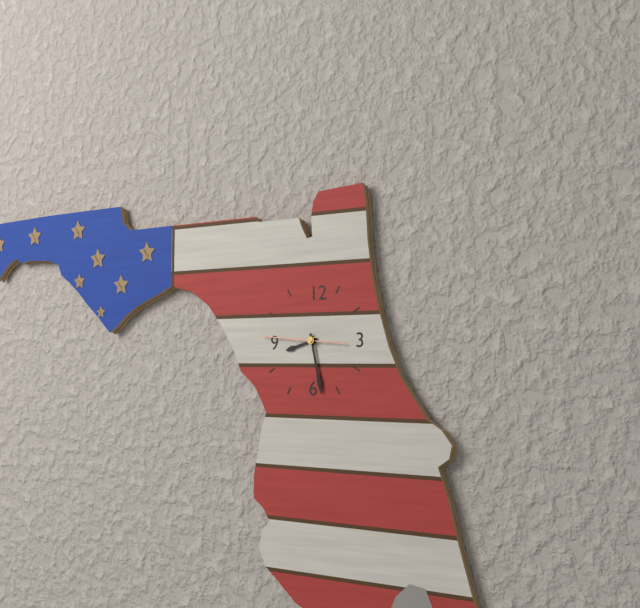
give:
8.28.46
